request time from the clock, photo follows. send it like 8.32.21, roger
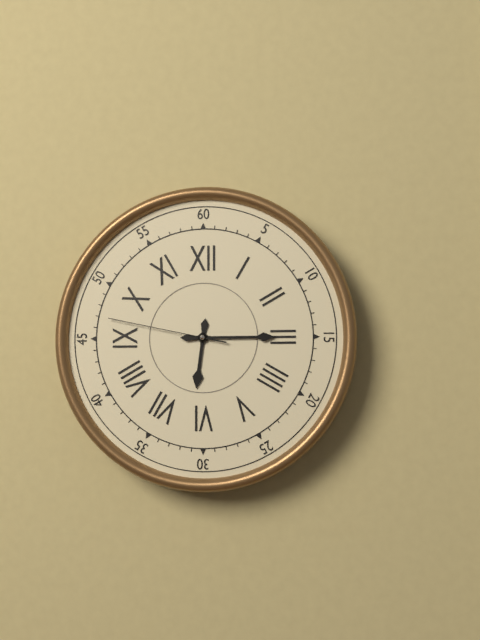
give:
6.15.47
